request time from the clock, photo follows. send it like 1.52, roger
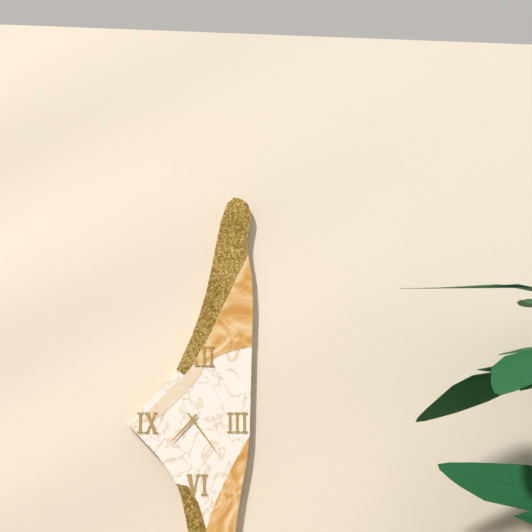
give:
7.24
